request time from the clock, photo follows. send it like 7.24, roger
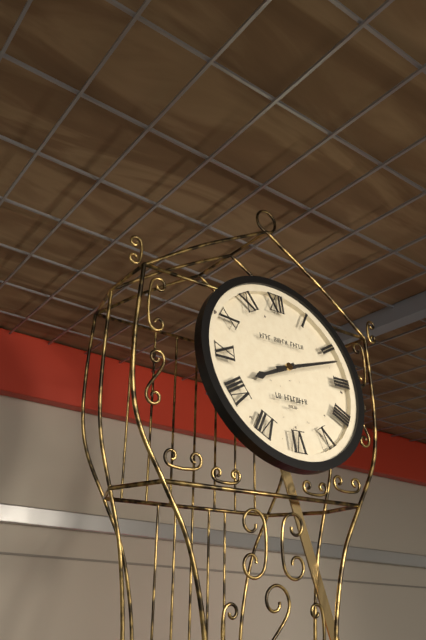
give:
8.12
